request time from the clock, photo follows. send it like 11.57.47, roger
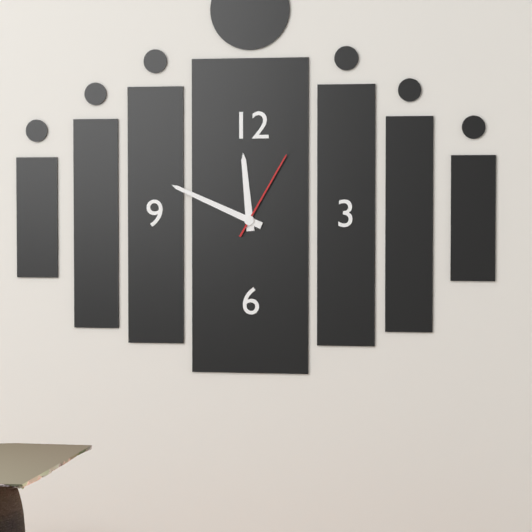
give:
11.49.05
